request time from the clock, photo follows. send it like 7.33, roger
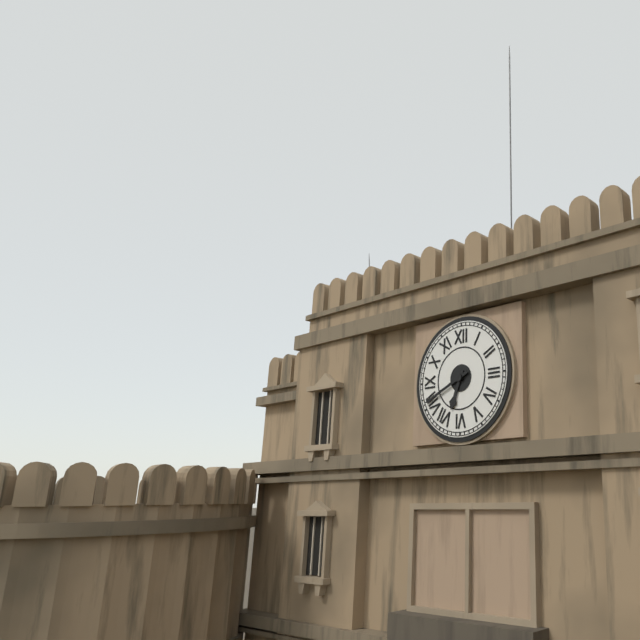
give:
6.41
